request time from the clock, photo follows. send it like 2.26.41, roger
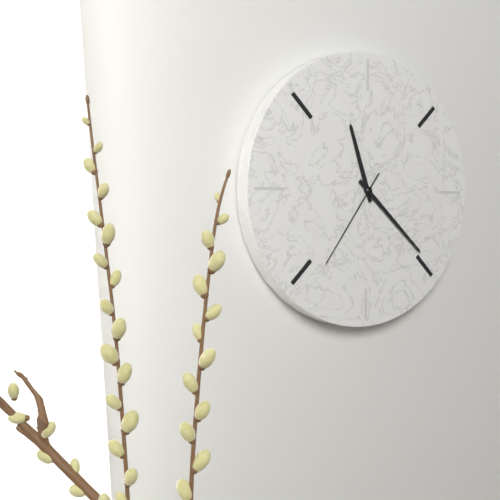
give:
11.22.36
